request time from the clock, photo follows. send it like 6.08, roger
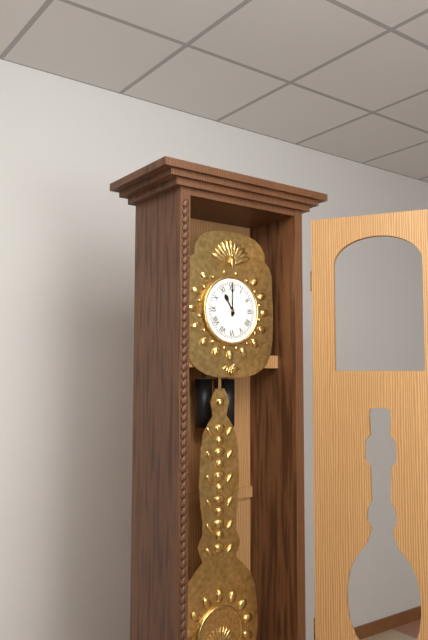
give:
11.00
